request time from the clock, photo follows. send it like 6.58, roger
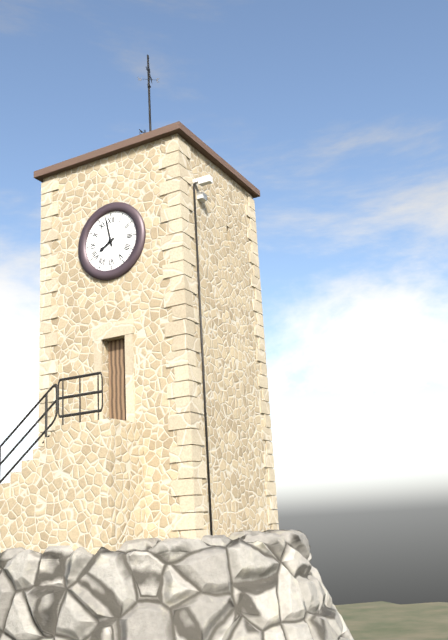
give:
7.58
